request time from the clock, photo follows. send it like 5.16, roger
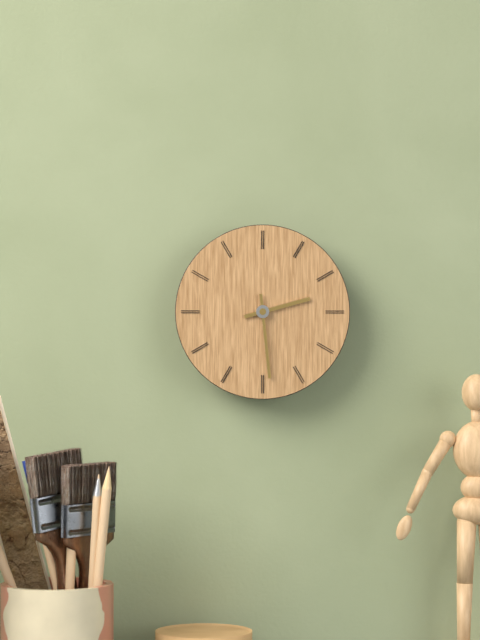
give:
2.29
